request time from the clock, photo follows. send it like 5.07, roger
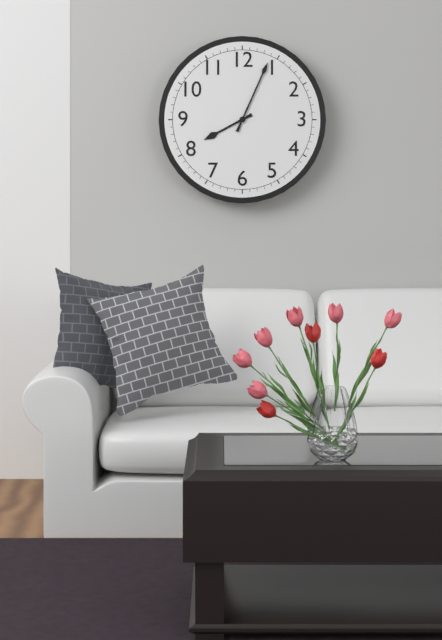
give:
8.04
